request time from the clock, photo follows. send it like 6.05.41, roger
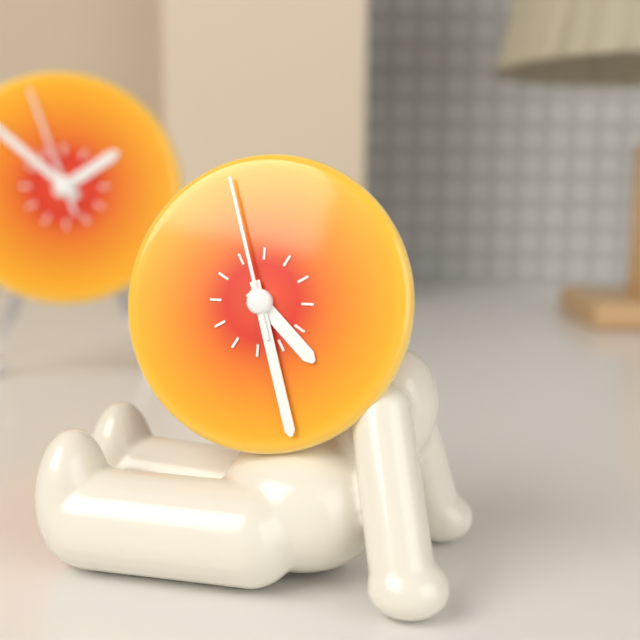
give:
4.27.57
